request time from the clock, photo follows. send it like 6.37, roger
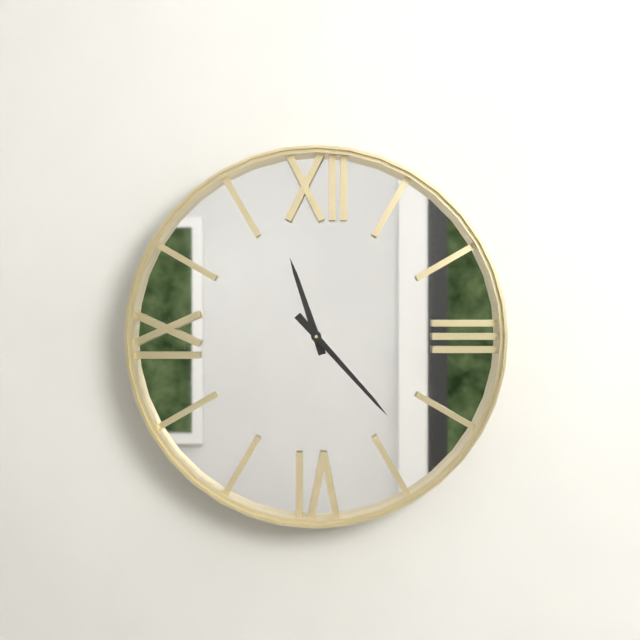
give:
11.23
